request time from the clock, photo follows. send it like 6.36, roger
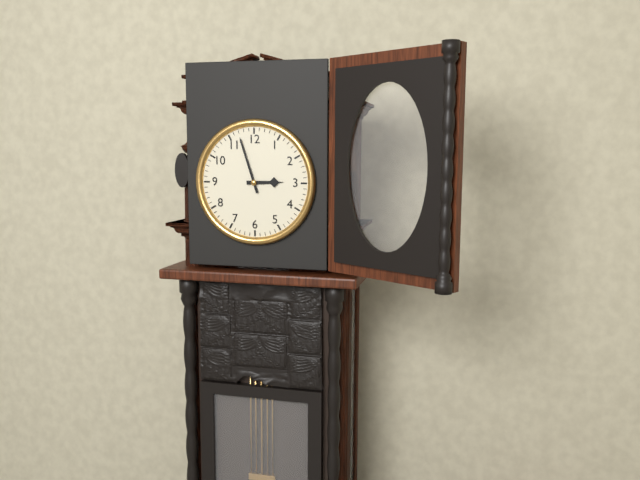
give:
2.57
